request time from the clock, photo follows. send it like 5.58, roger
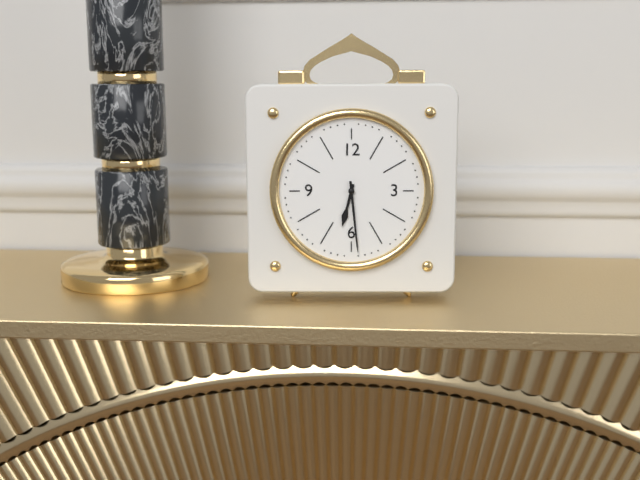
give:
6.29
